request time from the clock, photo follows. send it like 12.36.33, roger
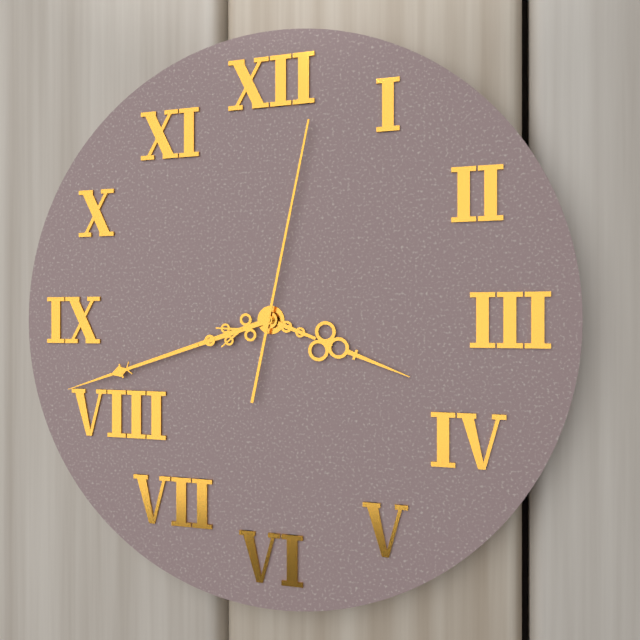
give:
3.42.02
